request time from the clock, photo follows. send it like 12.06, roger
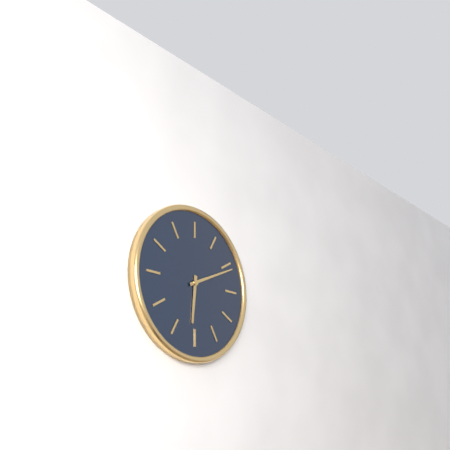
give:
6.11
